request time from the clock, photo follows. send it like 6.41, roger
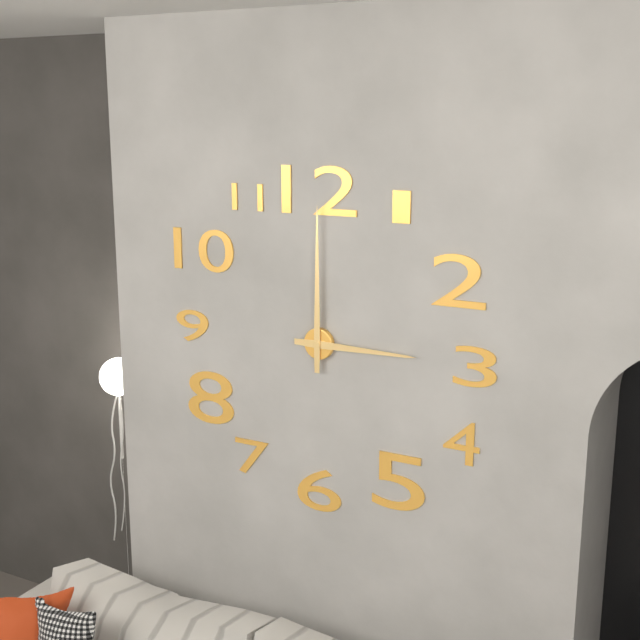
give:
3.00
